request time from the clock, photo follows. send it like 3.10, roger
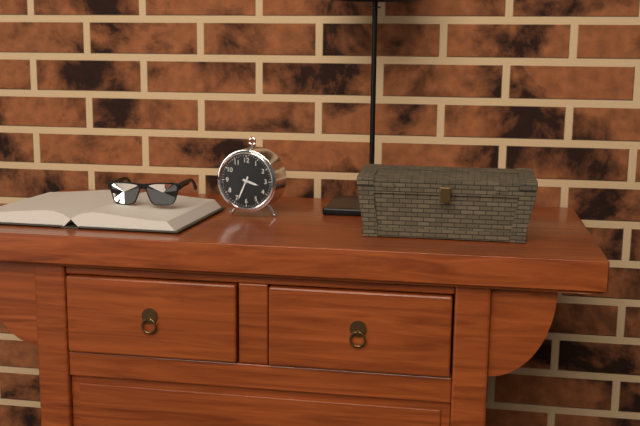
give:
3.34
